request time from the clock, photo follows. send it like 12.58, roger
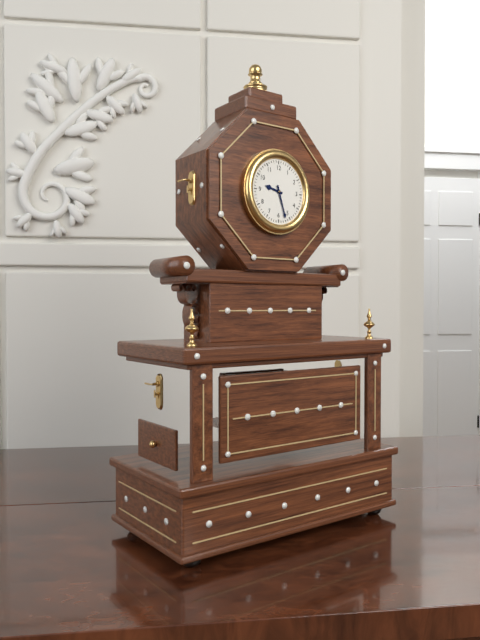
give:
9.27
